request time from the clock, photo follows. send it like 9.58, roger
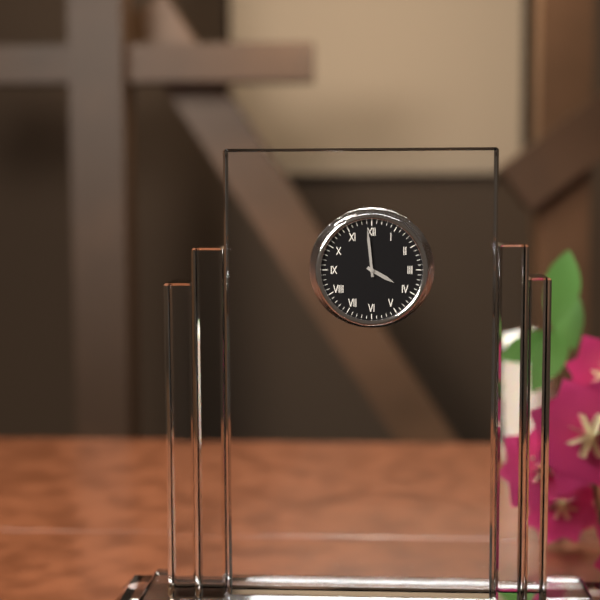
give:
3.59
